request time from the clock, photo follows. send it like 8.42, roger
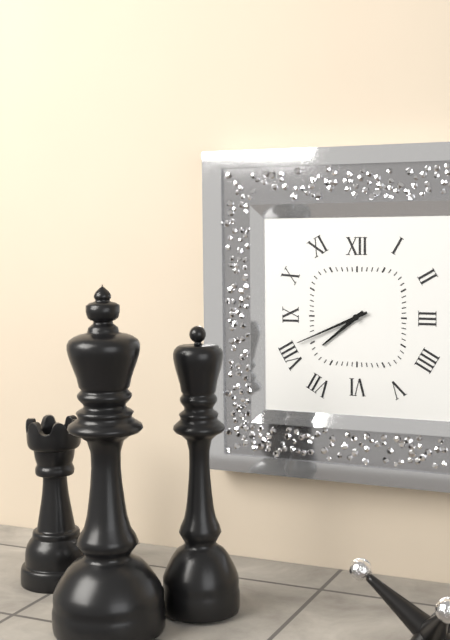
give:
7.41
